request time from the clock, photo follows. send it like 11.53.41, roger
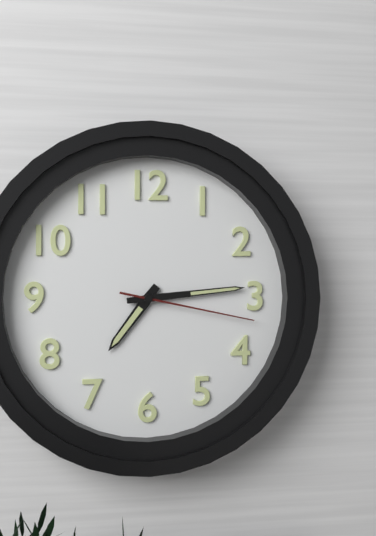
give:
7.14.17
